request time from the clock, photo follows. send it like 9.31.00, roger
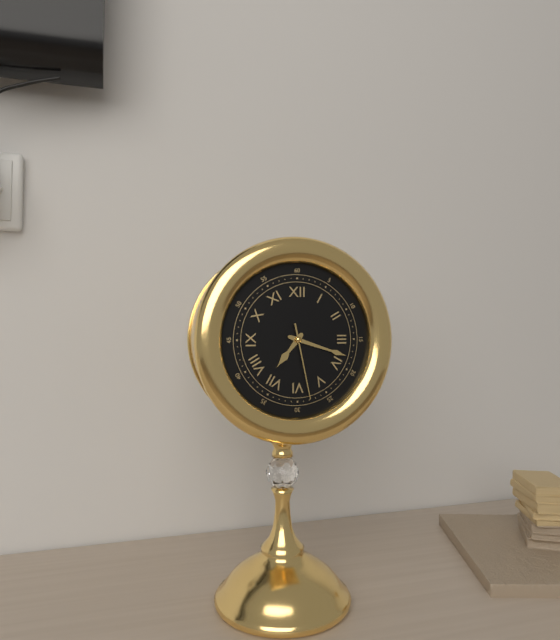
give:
7.18.28
